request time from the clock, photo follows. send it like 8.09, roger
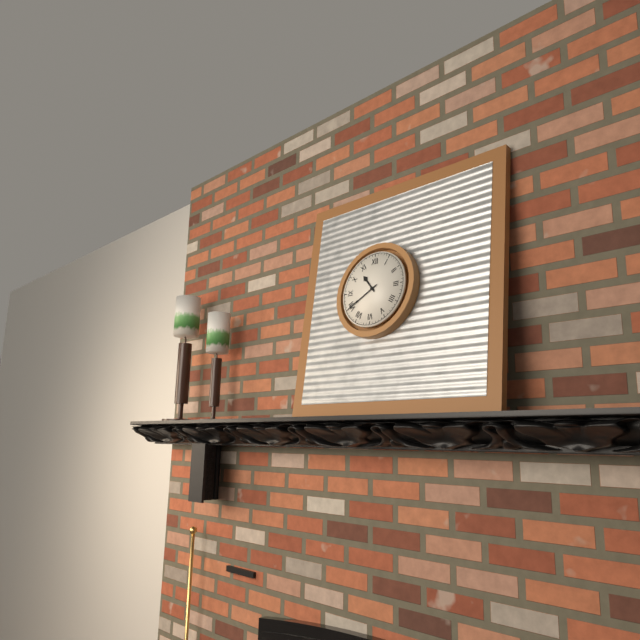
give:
10.40
